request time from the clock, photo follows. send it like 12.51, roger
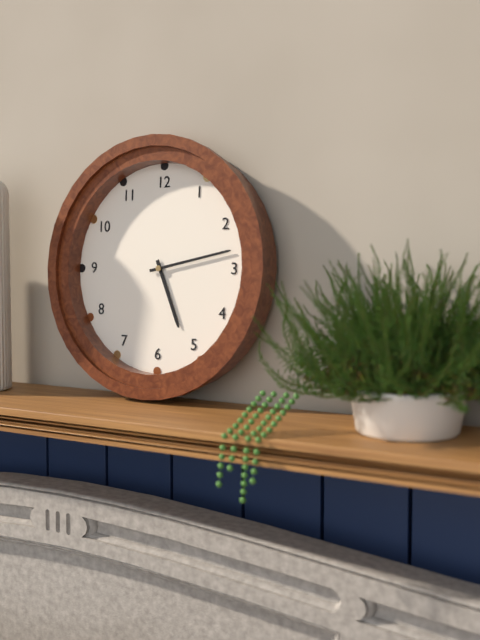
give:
5.13
